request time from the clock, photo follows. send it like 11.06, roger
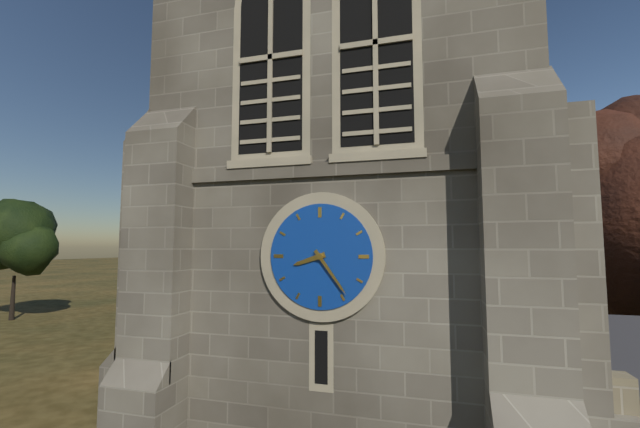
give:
8.24
